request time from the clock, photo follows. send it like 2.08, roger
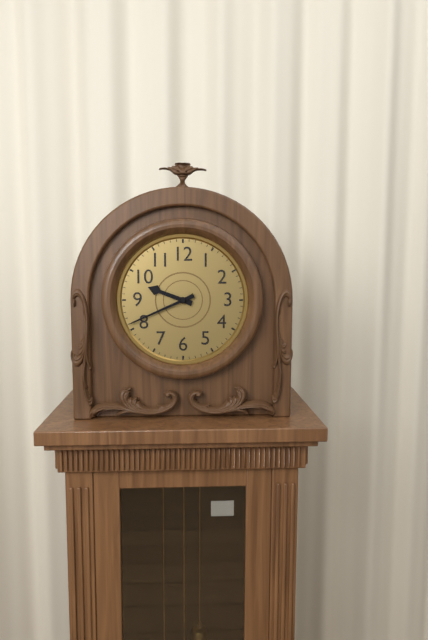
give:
9.41
